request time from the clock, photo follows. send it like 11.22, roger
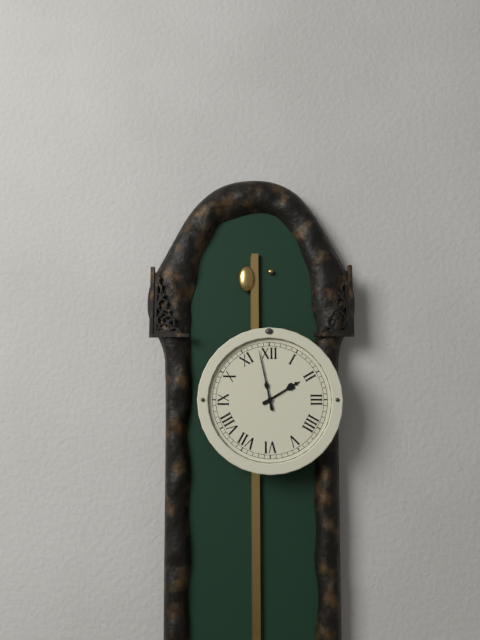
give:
1.58
